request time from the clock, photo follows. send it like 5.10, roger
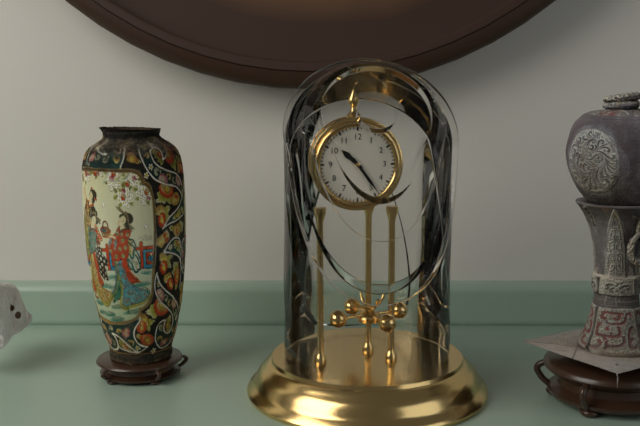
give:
10.24
